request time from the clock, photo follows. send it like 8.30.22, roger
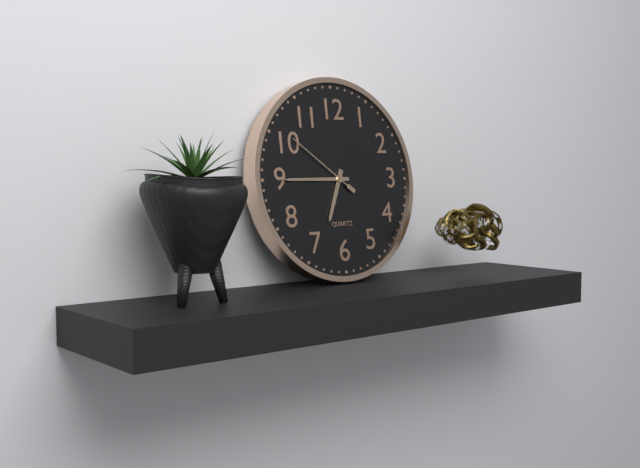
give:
6.45.51
